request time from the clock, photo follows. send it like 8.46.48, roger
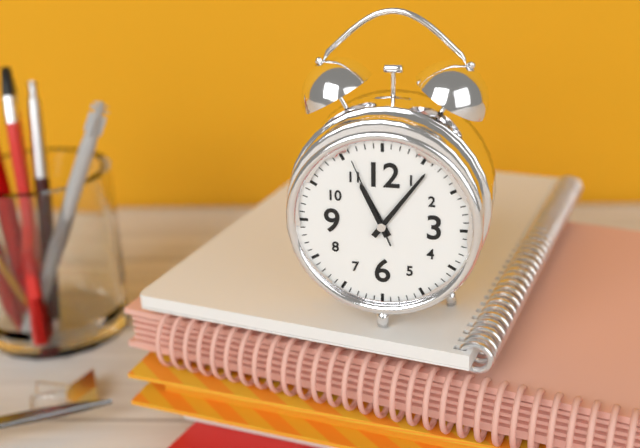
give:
11.06.56
